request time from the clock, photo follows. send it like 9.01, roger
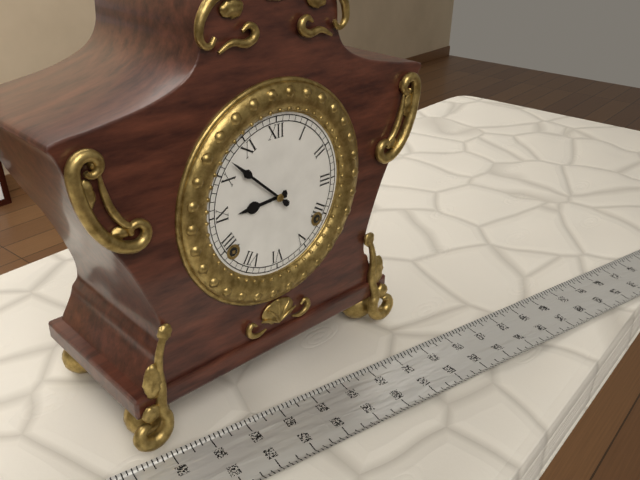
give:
8.52
